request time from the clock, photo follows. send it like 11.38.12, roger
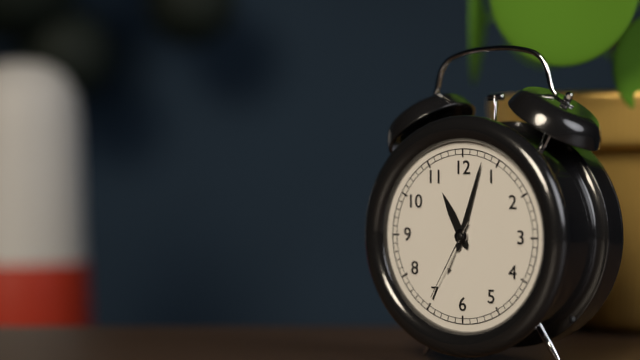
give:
11.03.35
